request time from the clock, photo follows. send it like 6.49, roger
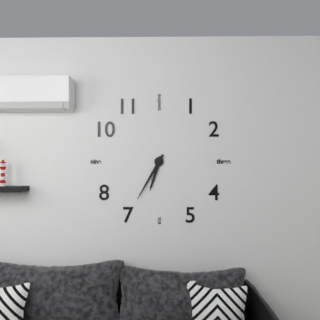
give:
6.35
